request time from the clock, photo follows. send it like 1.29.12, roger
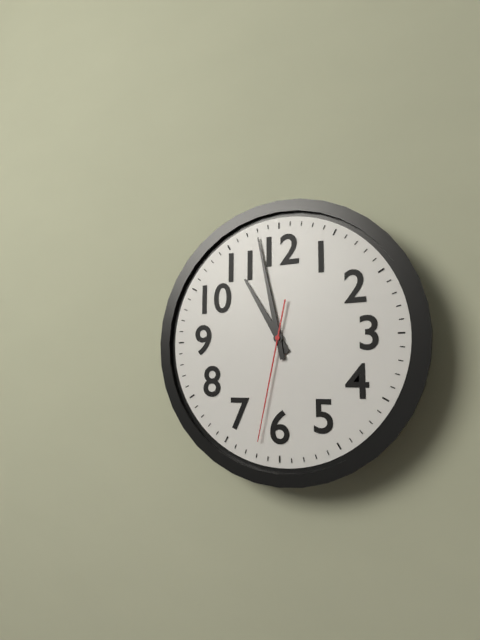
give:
10.58.32
